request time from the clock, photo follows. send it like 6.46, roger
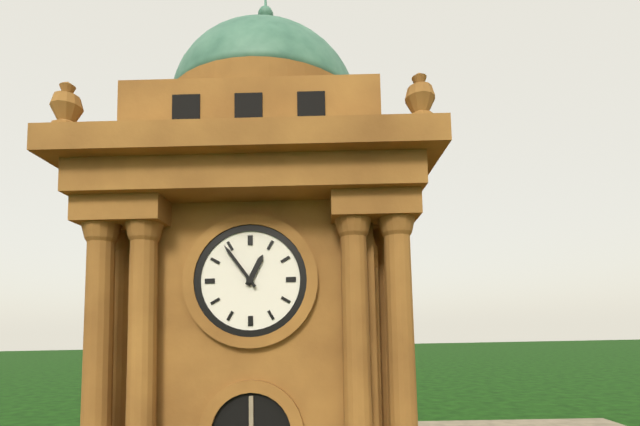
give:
12.54
